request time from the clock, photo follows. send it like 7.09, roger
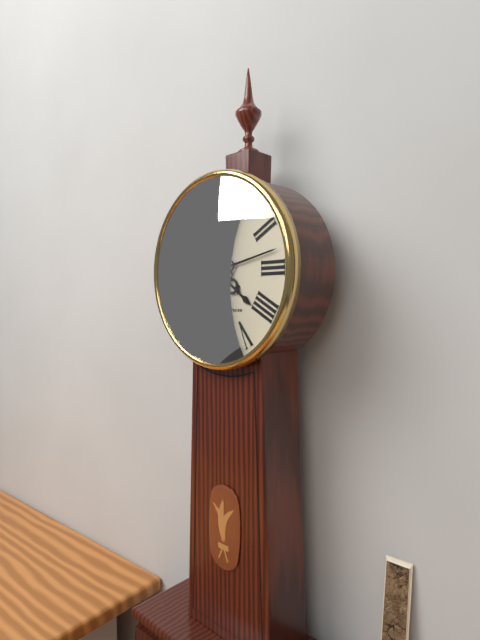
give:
4.13
